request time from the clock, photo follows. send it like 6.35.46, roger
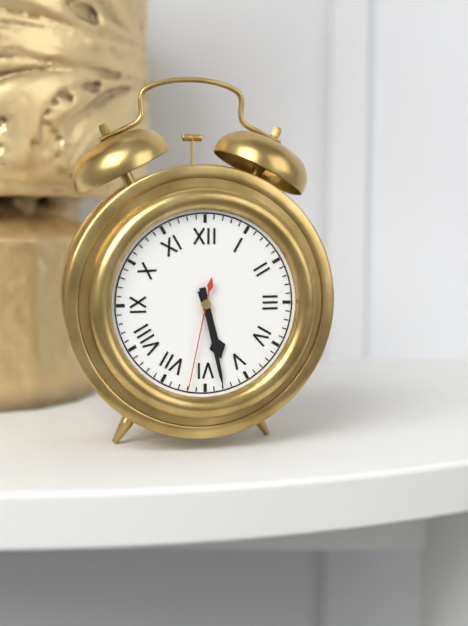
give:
5.28.32
